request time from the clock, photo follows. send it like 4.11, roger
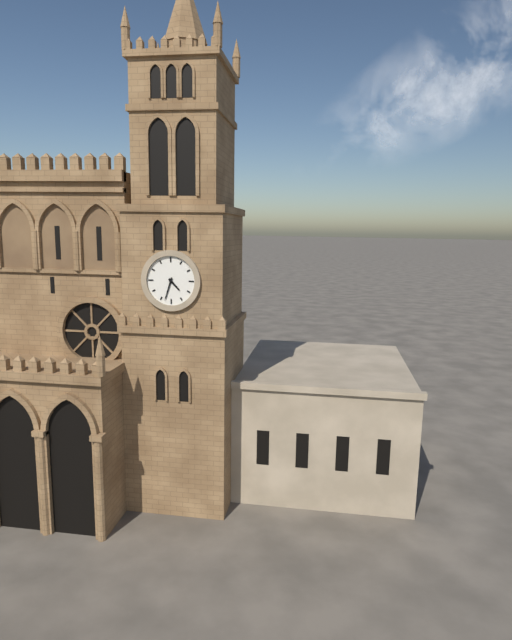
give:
4.33
